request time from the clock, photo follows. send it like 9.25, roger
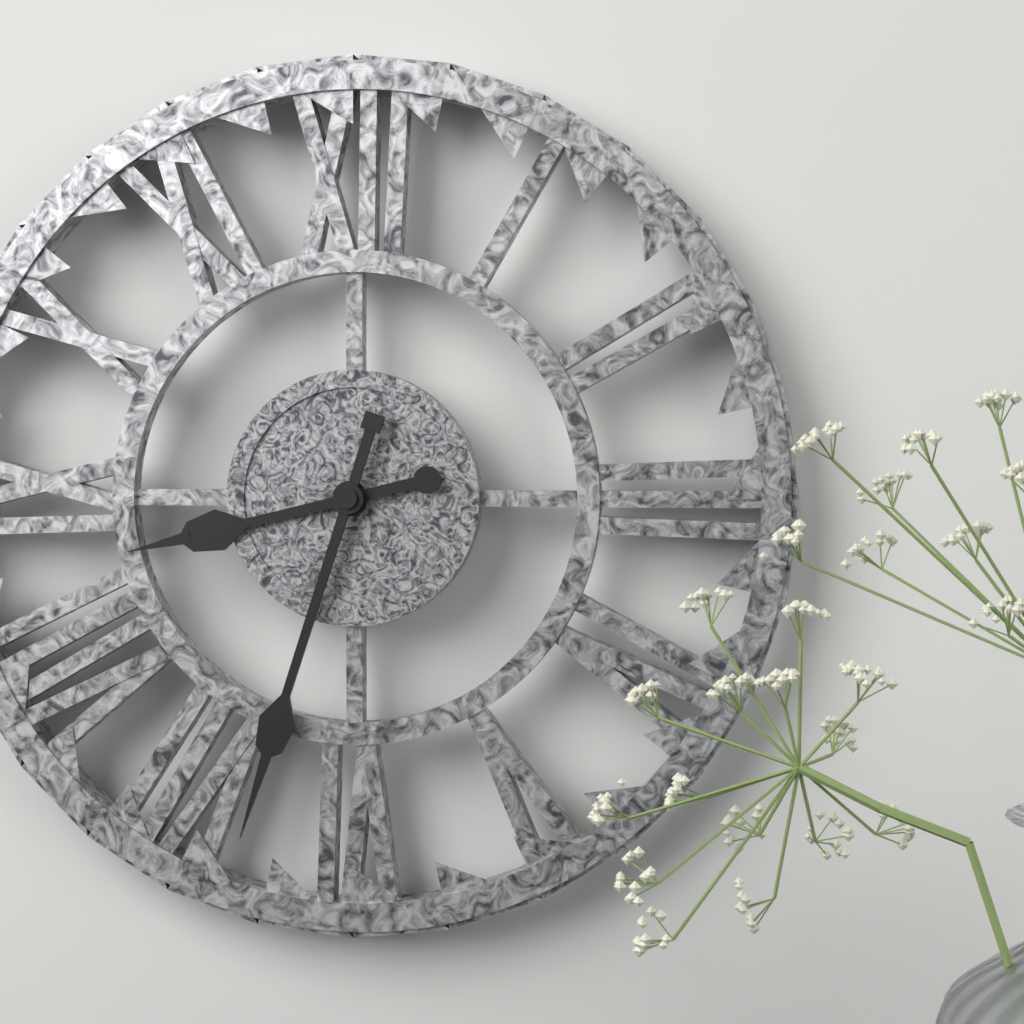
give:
8.33
